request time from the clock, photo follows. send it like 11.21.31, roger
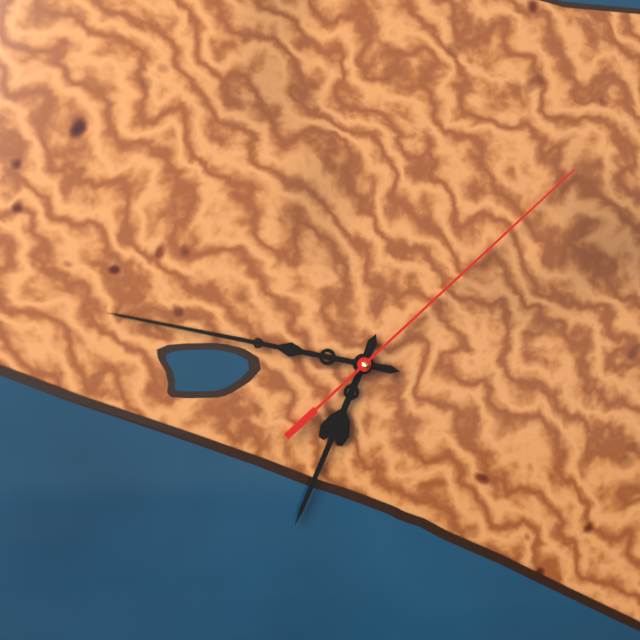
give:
6.47.08
